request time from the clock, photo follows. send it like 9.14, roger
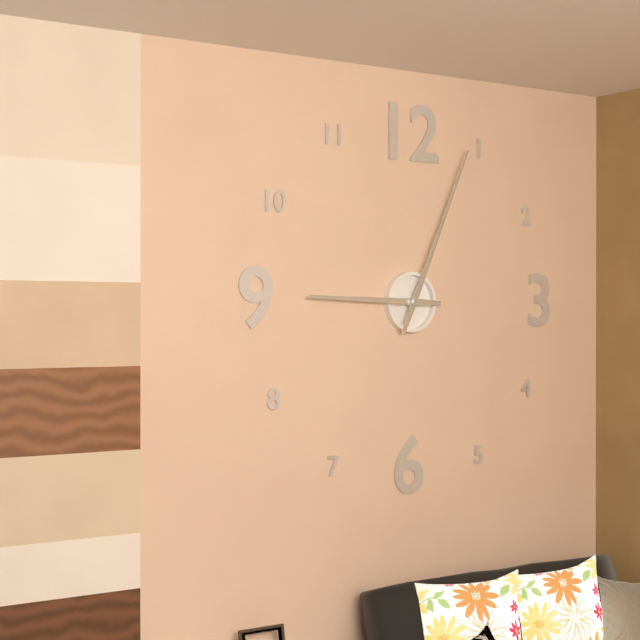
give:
9.04
